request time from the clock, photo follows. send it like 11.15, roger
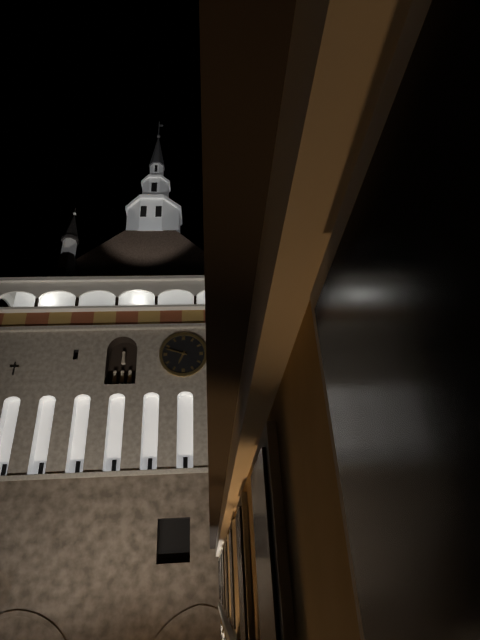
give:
6.48
